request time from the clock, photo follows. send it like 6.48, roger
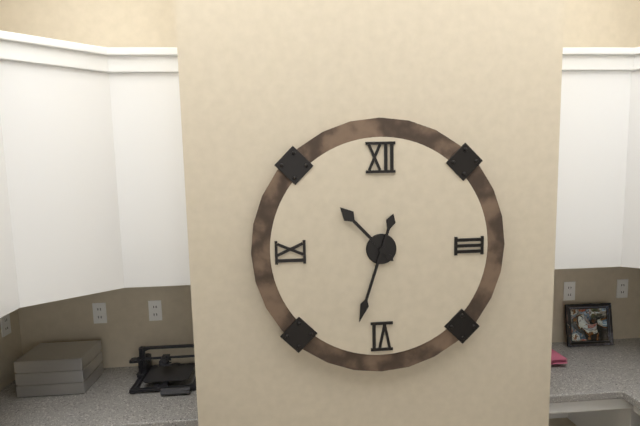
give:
10.33
